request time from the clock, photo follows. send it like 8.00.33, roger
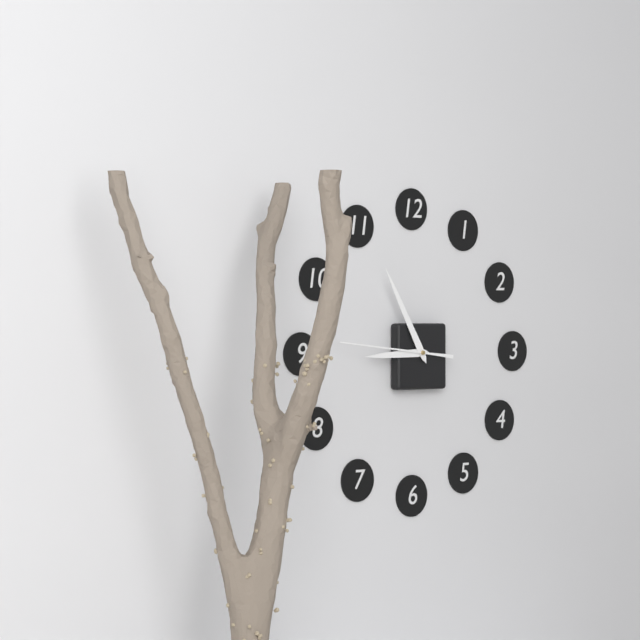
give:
8.55.46
